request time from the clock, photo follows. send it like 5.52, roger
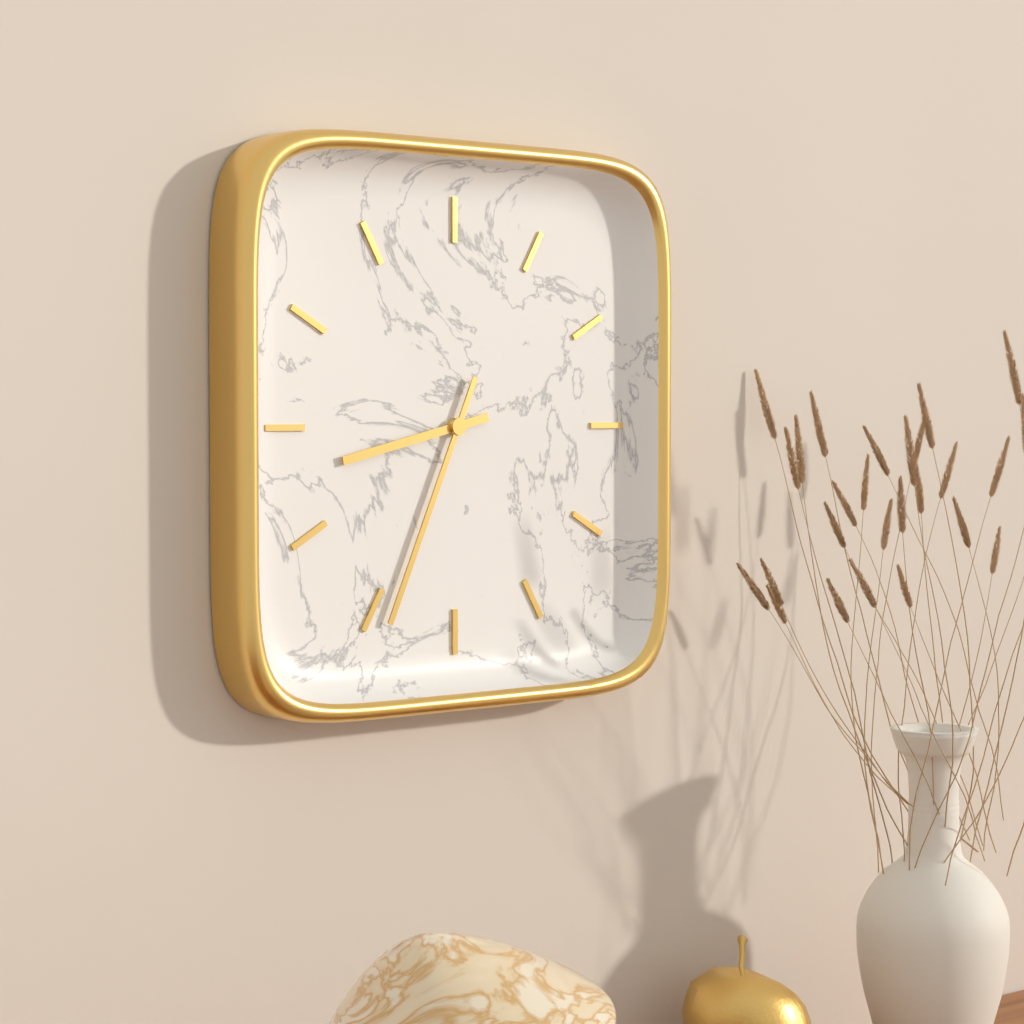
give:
8.34
